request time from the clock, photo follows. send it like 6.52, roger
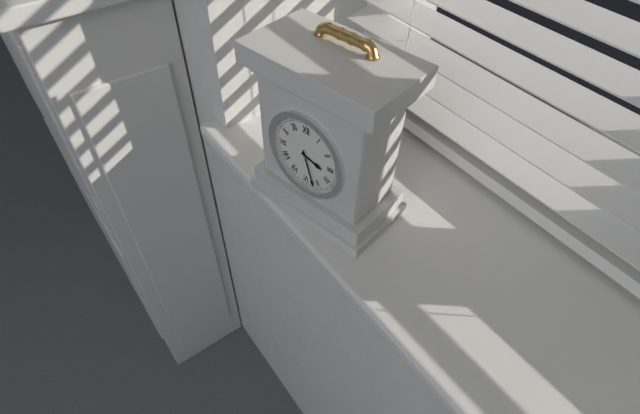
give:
3.27
